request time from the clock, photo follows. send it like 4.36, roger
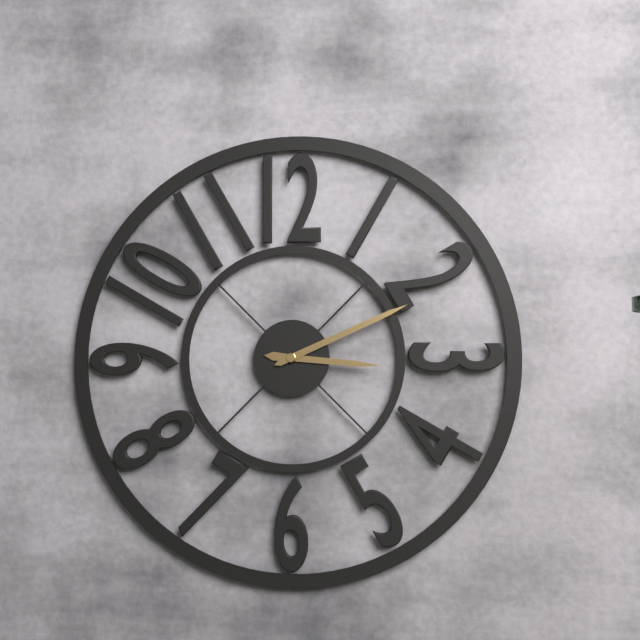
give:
3.11
